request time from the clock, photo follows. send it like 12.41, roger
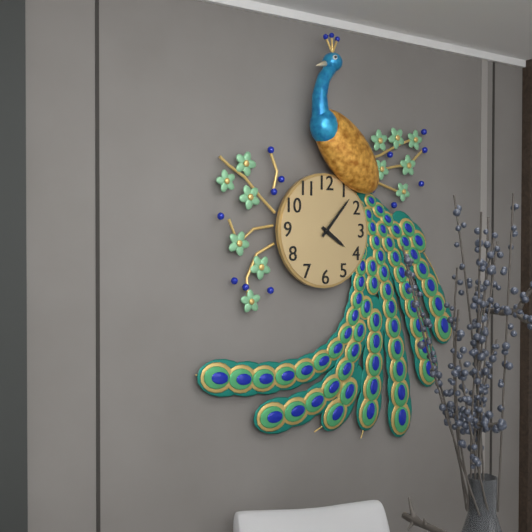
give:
4.07
